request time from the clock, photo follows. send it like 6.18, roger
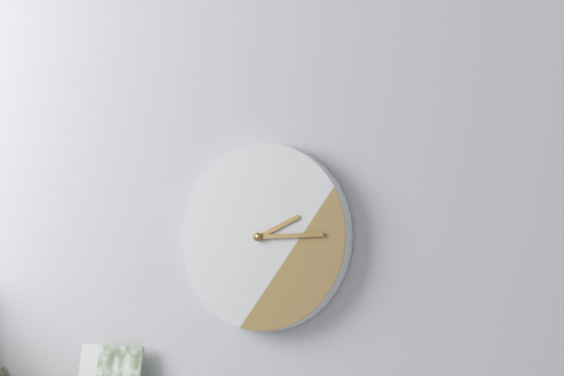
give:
2.15
